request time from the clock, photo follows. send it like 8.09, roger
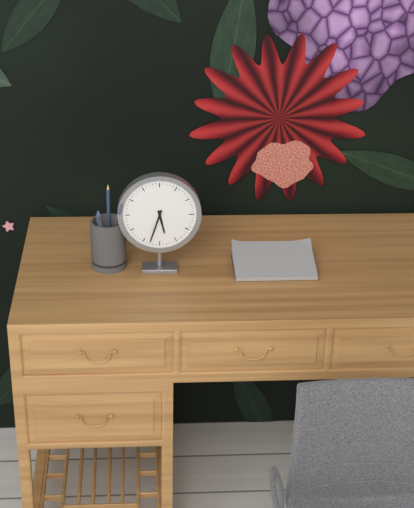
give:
5.33
